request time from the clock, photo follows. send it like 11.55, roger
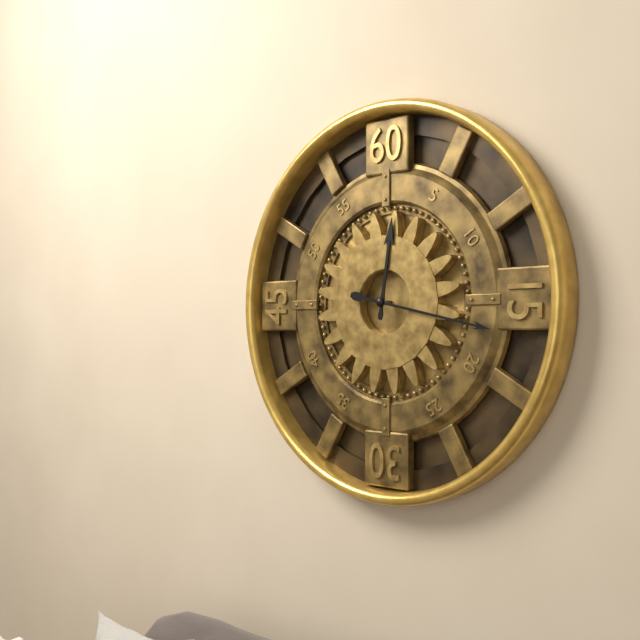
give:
12.17
